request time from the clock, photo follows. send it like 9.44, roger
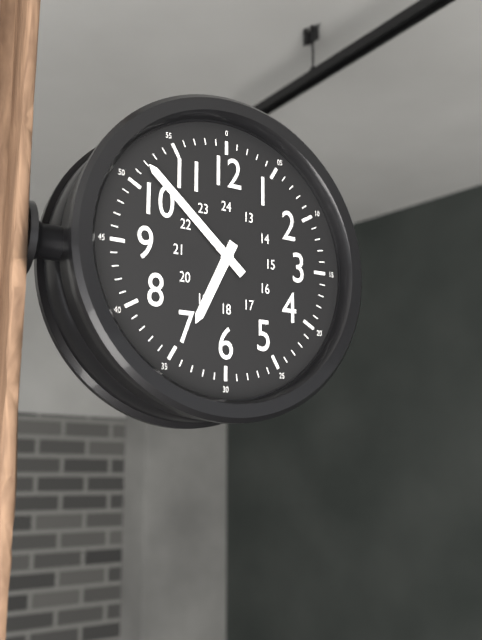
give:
6.52
